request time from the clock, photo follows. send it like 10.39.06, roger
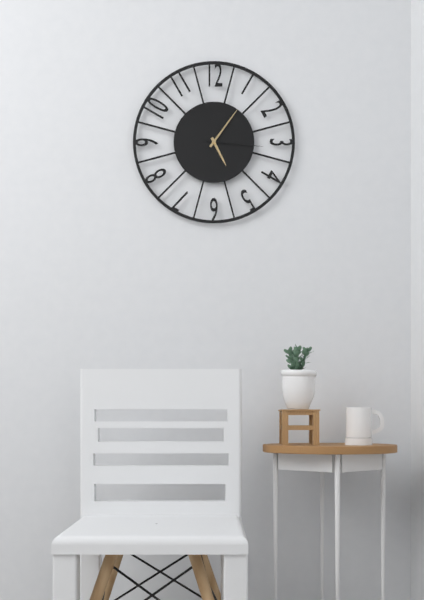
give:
5.06.16
